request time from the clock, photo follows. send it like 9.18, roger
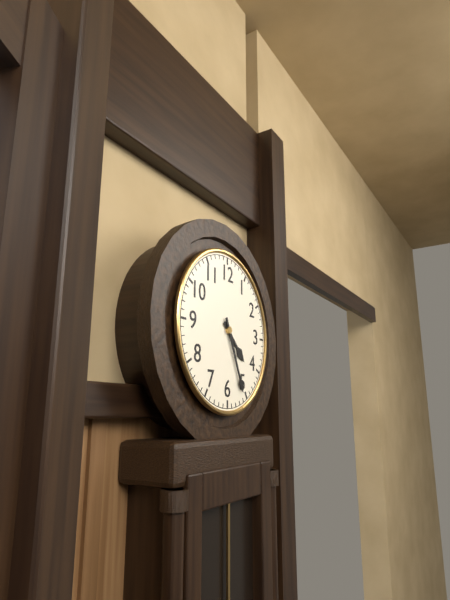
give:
4.26
